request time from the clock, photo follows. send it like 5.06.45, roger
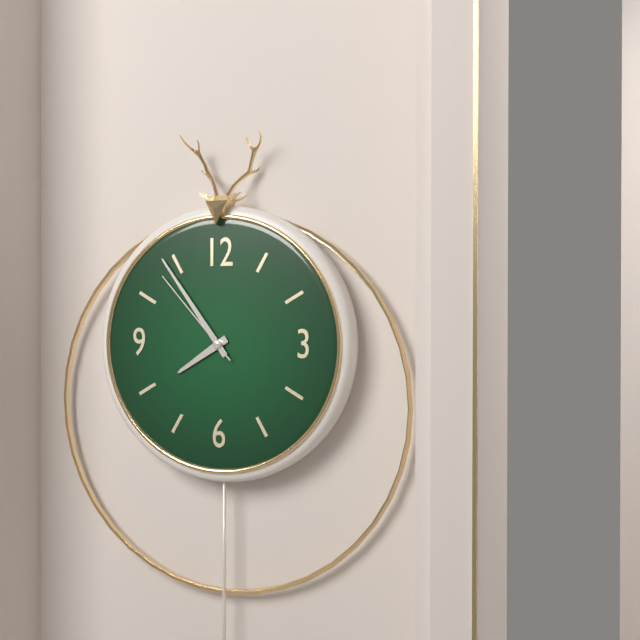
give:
7.54.53
